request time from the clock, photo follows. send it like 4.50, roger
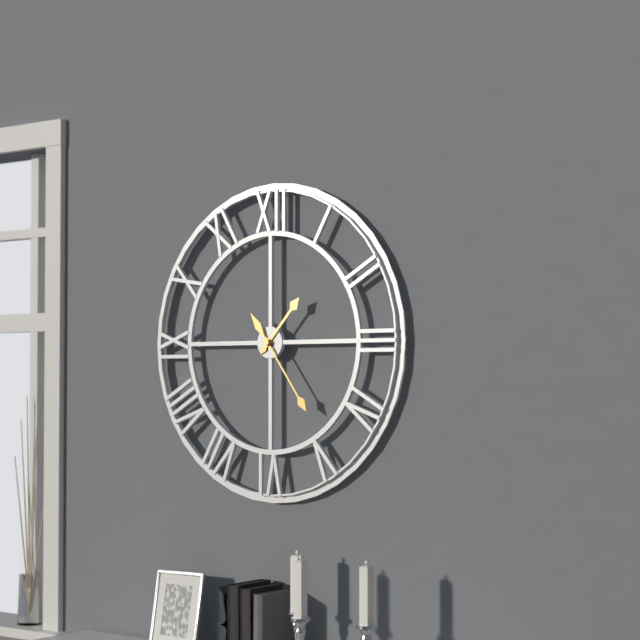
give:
1.24
